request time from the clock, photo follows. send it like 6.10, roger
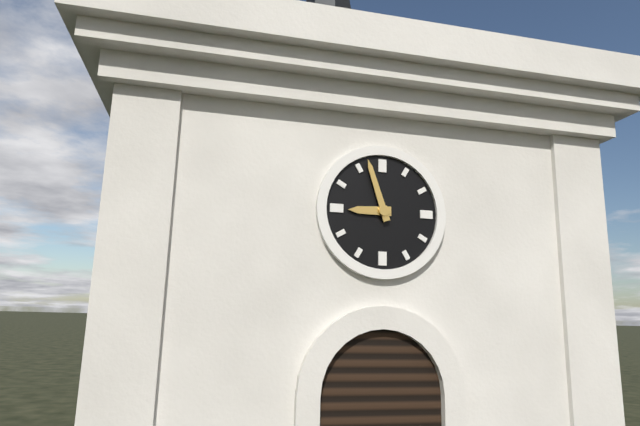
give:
8.57
